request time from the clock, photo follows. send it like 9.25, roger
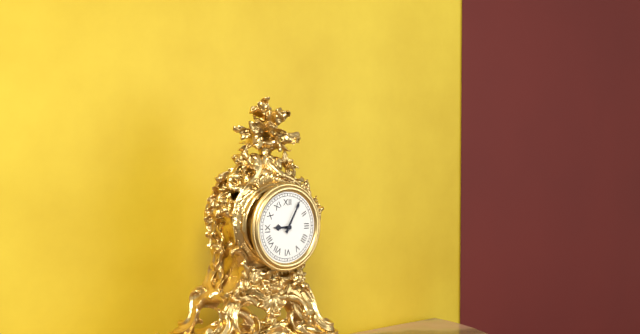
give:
9.05
